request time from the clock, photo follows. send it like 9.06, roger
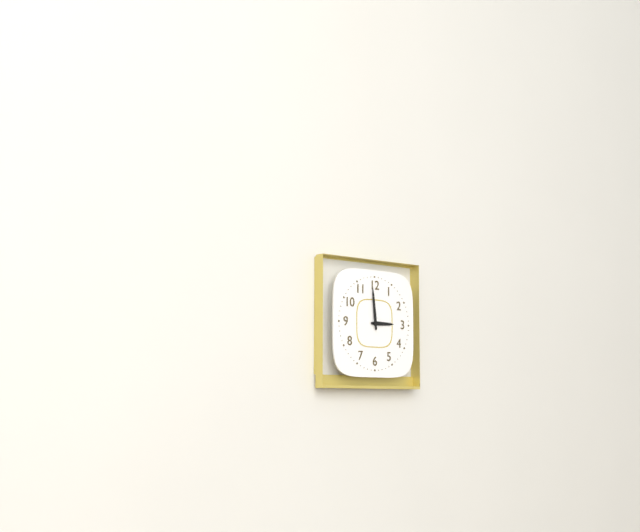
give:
2.59
